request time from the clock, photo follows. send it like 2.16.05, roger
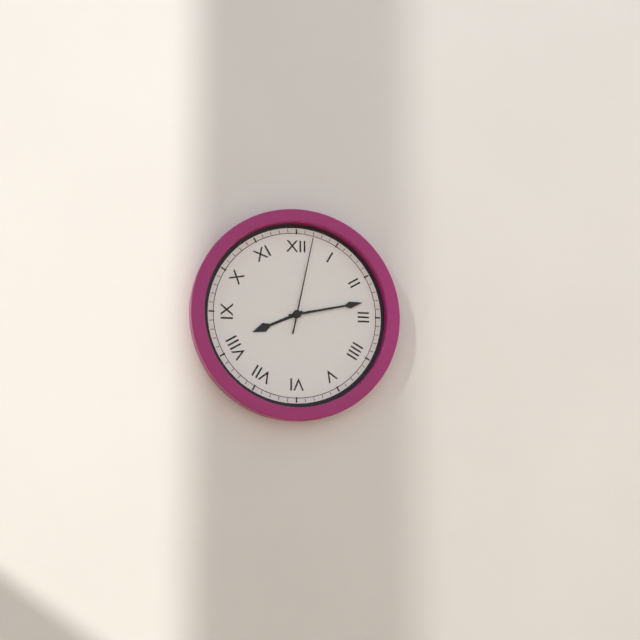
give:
8.13.02
